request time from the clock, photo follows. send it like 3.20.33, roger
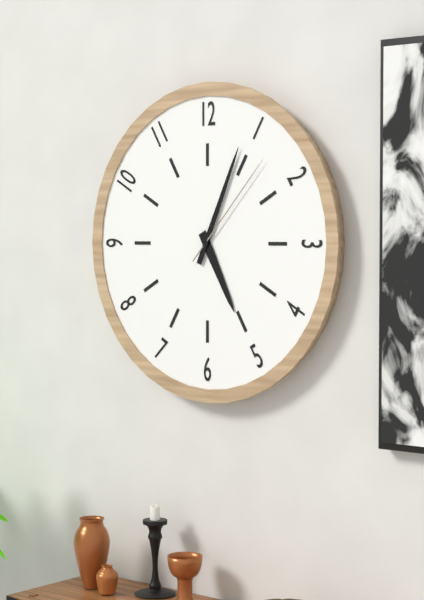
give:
5.04.07
